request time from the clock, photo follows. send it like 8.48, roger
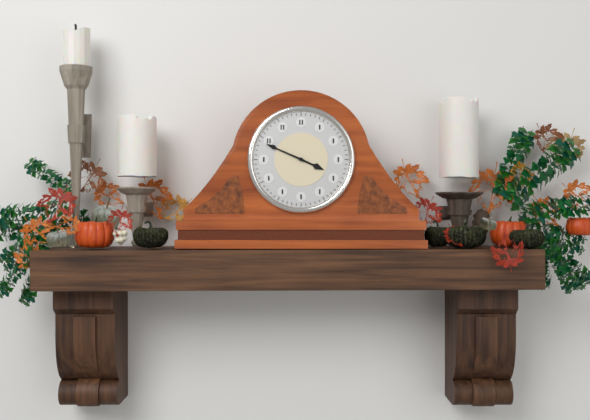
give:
3.49
